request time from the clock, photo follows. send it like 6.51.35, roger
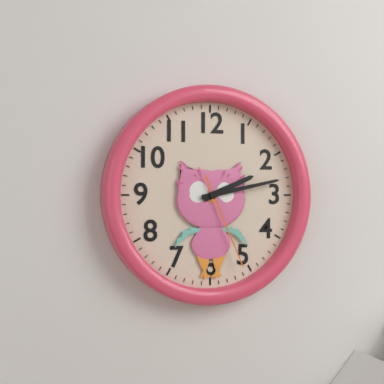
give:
2.13.26
